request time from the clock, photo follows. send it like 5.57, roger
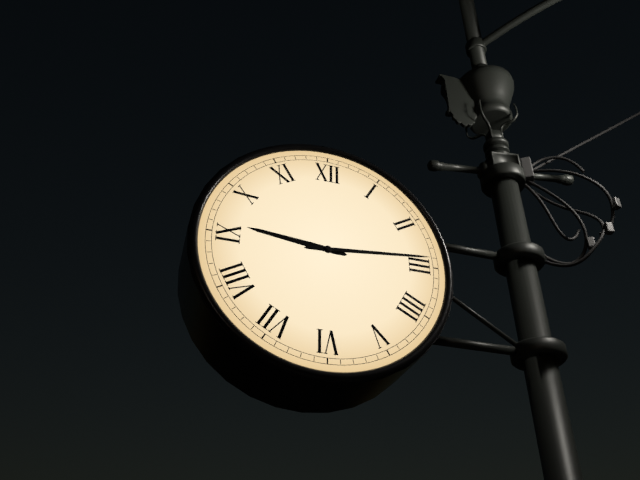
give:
9.14
